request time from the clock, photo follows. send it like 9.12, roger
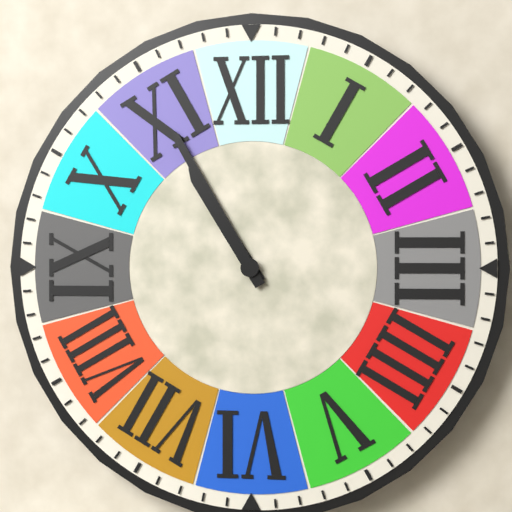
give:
10.55
